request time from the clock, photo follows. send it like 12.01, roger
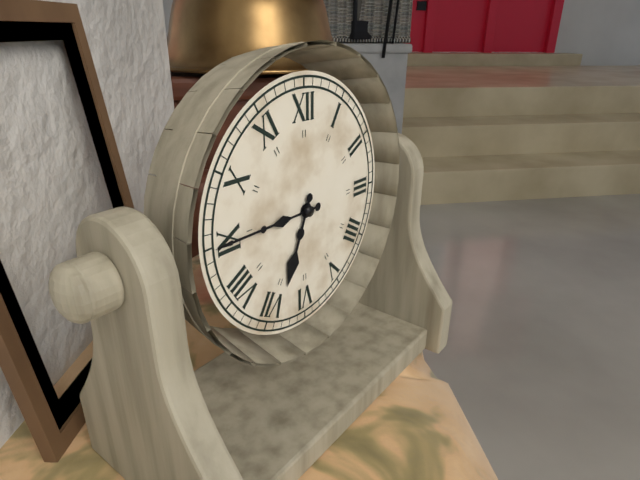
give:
6.45
